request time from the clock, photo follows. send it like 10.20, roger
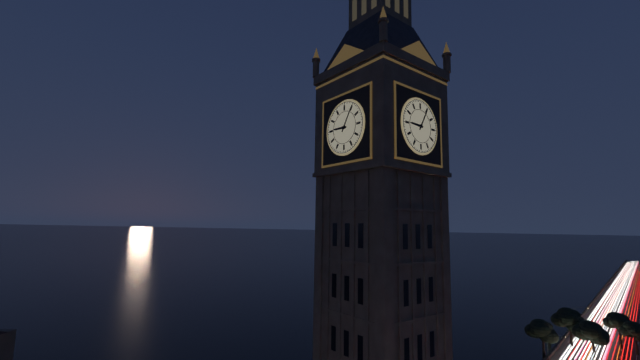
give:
9.05
